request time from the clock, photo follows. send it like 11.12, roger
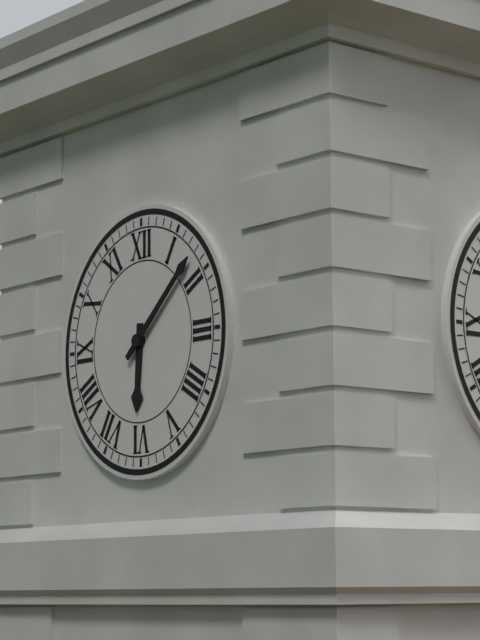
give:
6.08
